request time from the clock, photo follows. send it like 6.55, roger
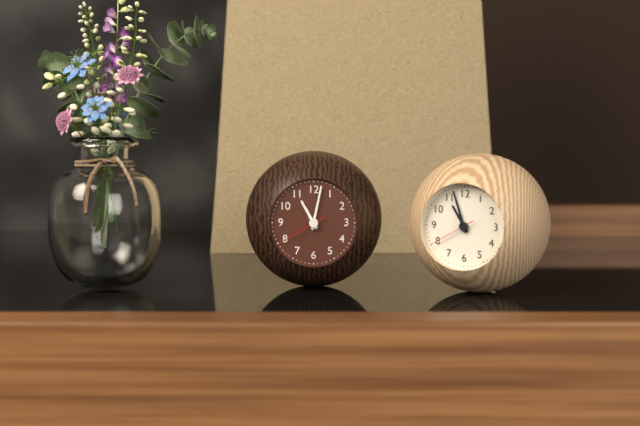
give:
11.02
